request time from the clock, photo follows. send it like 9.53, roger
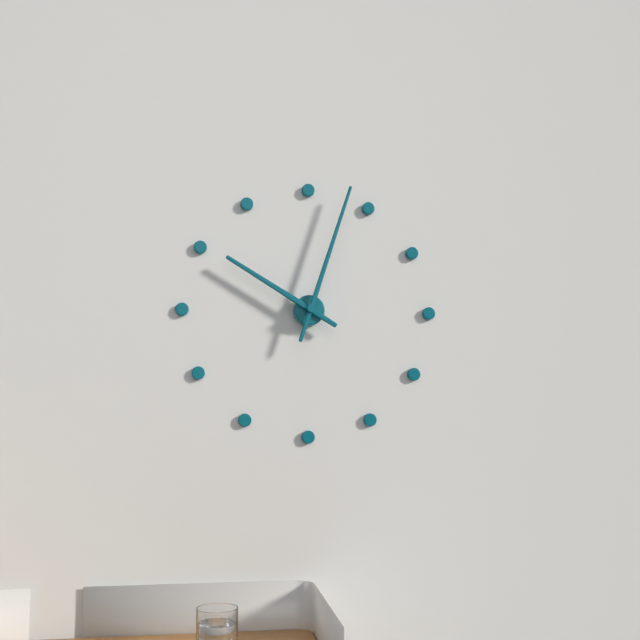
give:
10.03
